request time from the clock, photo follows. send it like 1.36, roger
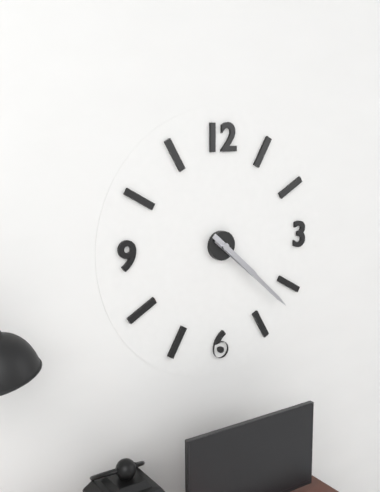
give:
4.22
